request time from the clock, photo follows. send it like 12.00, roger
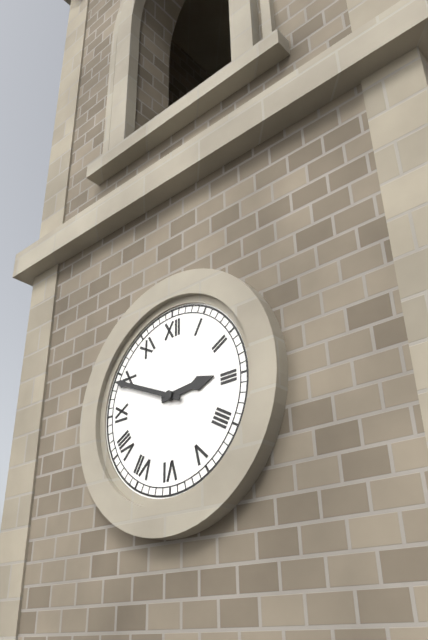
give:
2.49
